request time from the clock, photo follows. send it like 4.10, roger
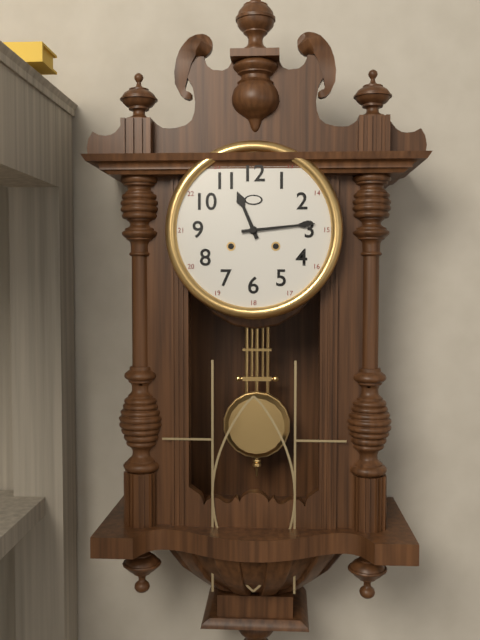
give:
11.14
